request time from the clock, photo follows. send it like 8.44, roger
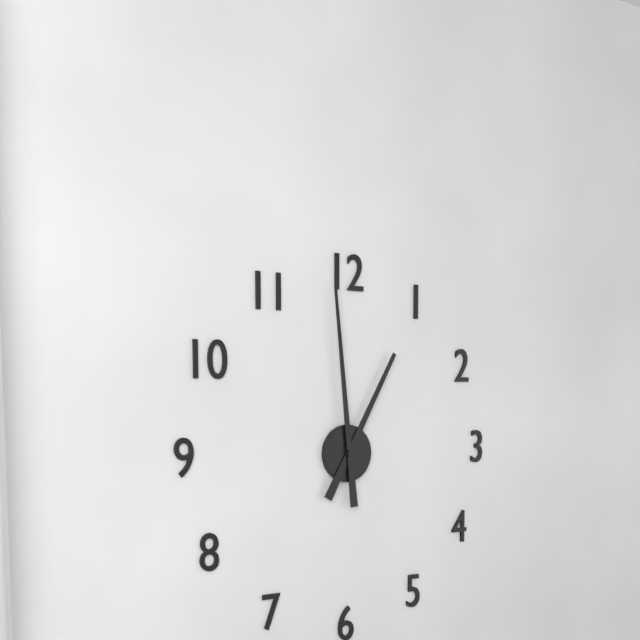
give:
12.59
